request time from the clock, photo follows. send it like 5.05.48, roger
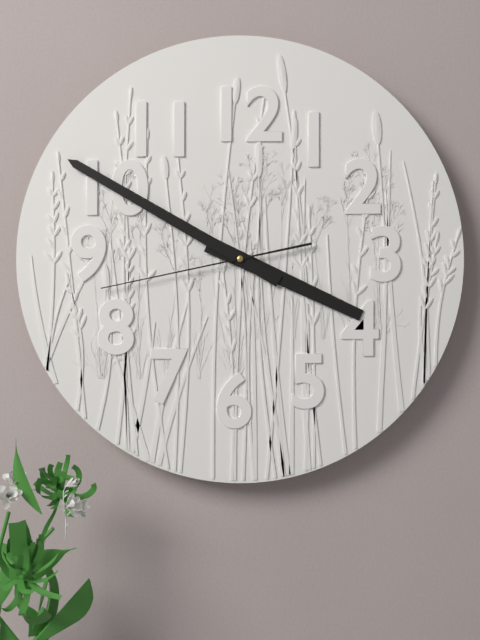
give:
3.50.43
